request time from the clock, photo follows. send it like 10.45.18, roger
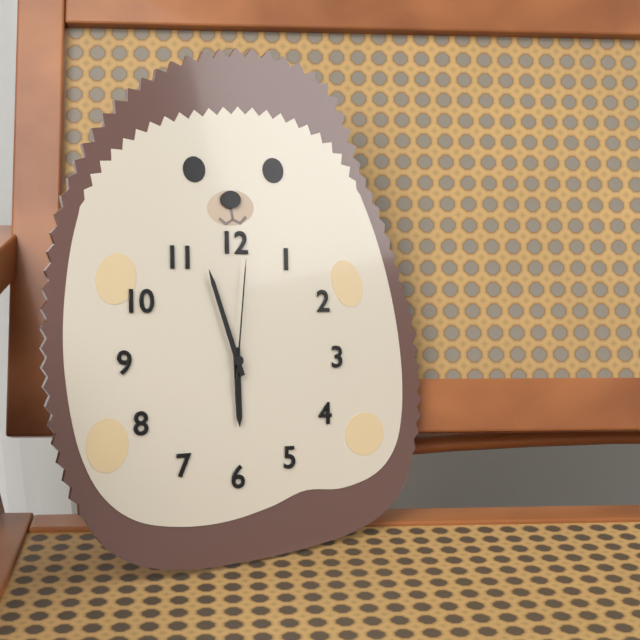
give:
5.57.01
